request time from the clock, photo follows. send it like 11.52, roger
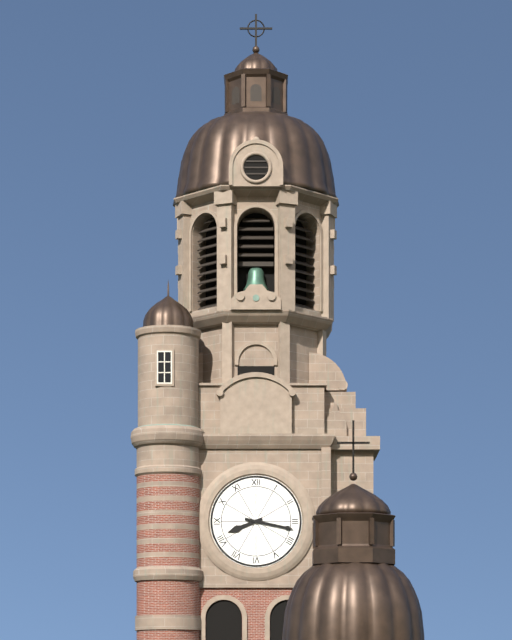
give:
8.17
